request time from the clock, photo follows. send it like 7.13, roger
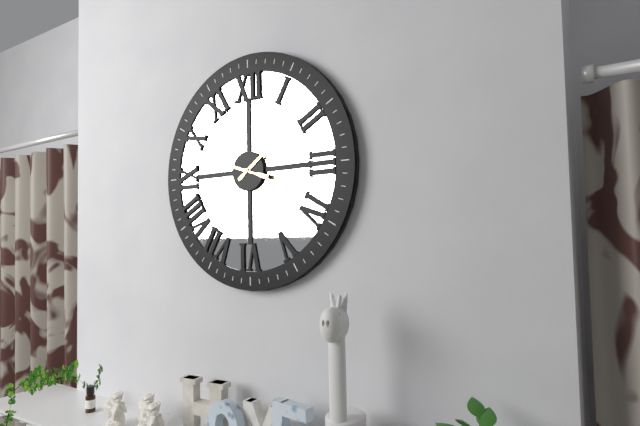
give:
1.48
